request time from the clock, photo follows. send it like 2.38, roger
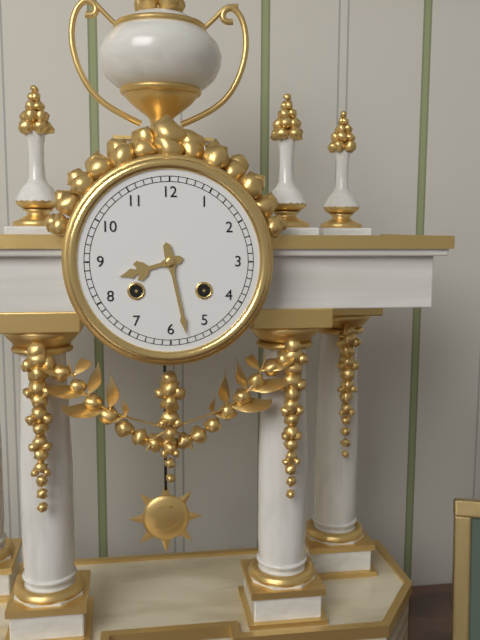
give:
8.28
